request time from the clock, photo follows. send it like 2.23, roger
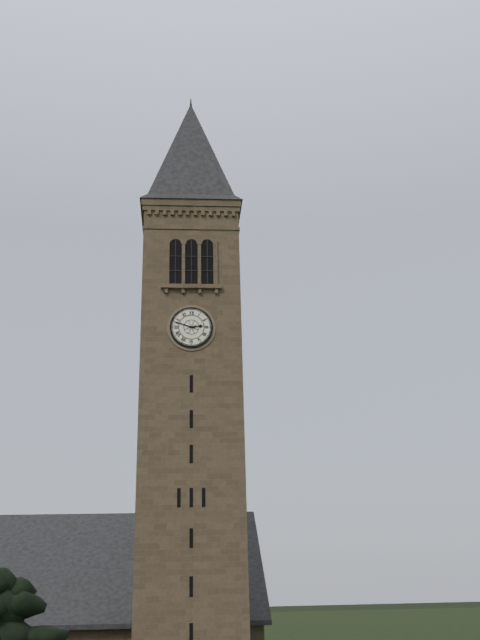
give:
2.48
